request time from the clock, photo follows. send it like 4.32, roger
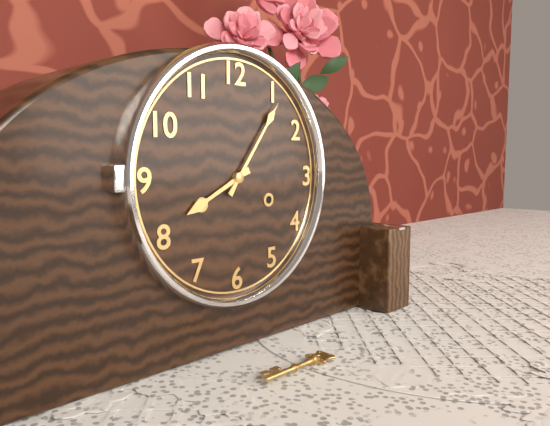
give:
8.06
